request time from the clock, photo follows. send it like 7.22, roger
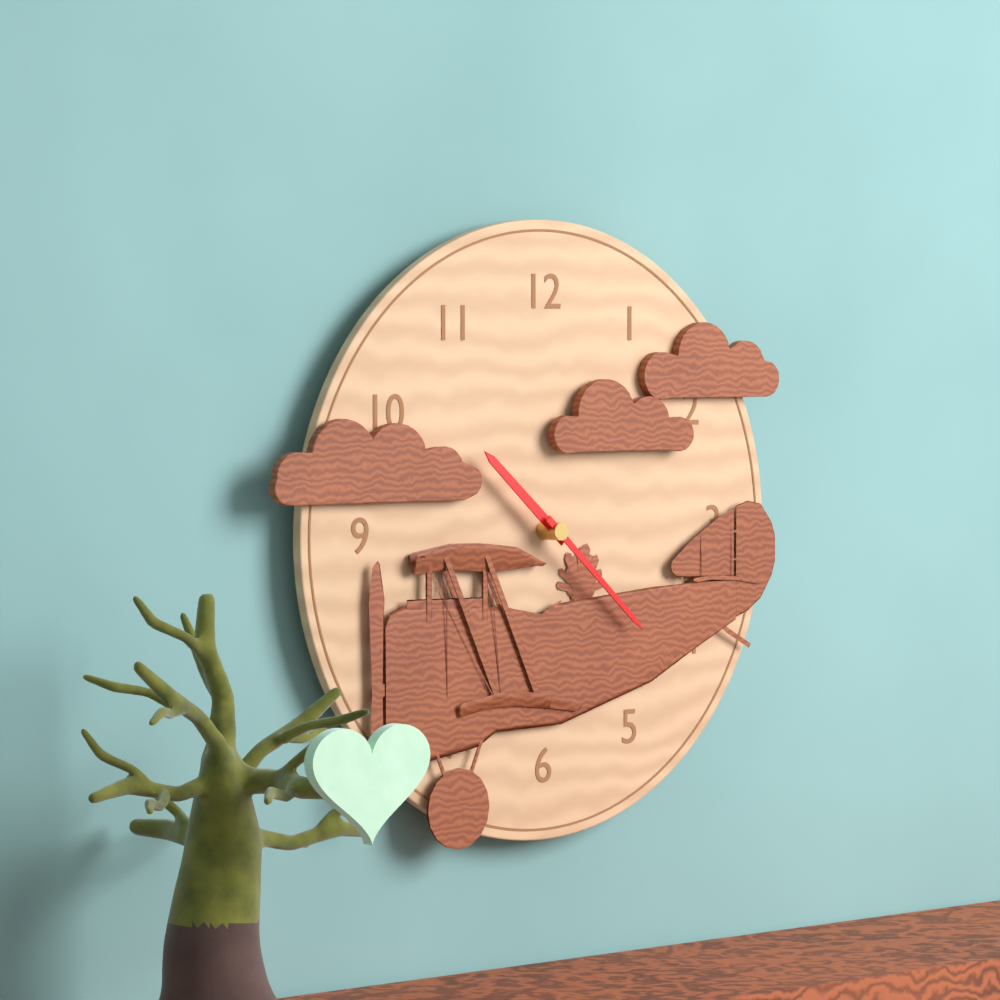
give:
10.22
